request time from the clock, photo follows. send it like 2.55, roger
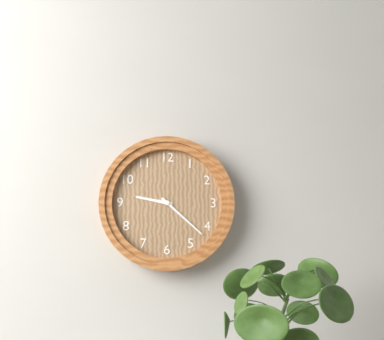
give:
9.22
